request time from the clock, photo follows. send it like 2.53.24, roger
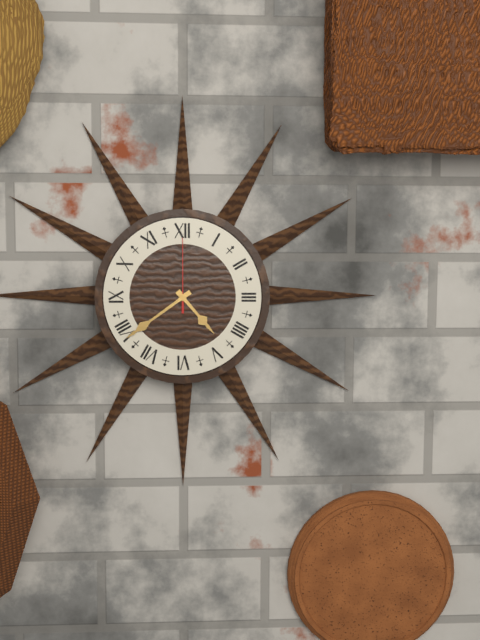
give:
4.39.00
